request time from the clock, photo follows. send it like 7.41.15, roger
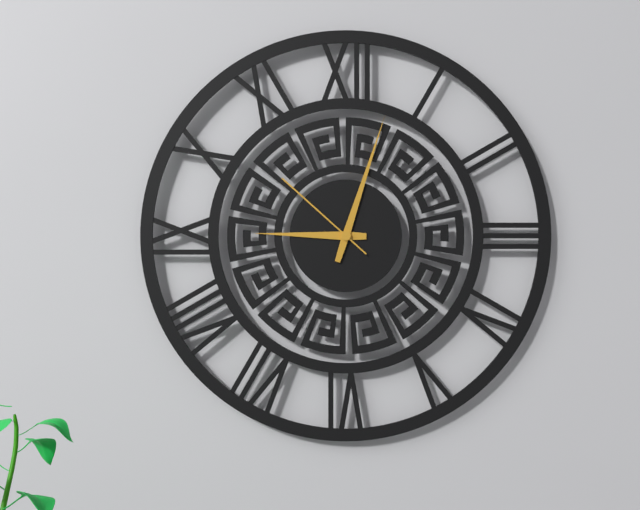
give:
9.03.52
